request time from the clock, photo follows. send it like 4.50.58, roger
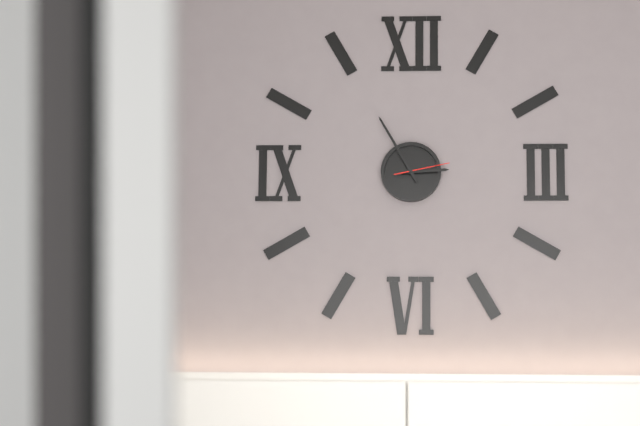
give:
2.55.13
